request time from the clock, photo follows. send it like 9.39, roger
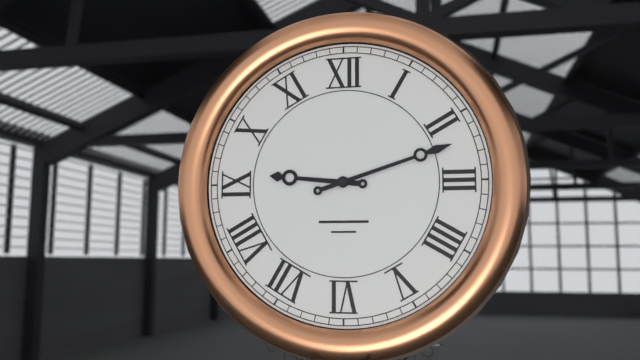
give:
9.12
